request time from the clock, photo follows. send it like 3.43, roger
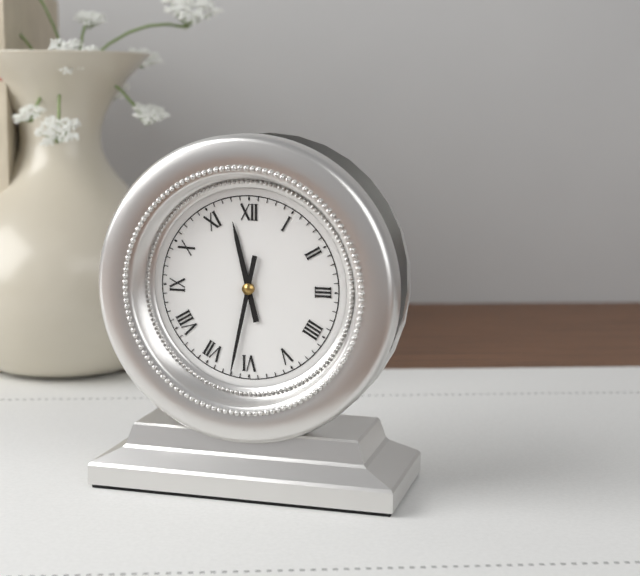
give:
11.32
